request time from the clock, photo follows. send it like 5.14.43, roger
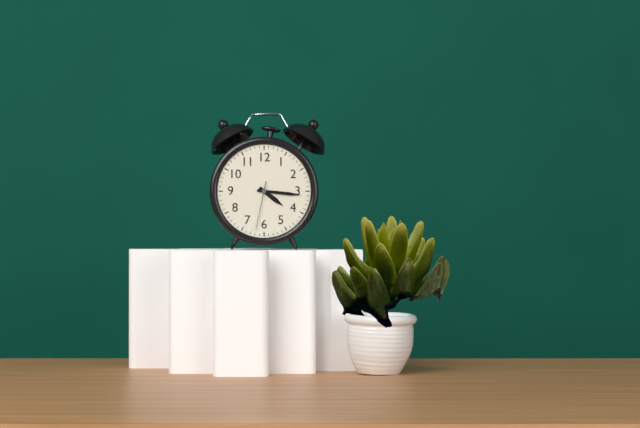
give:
4.16.32
